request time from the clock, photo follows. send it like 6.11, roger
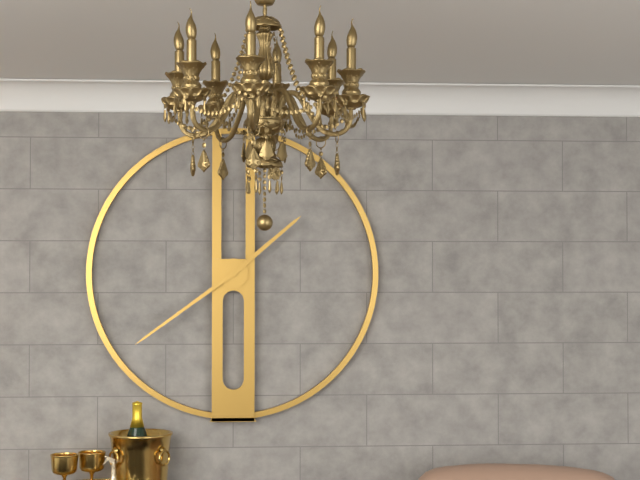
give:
1.39
